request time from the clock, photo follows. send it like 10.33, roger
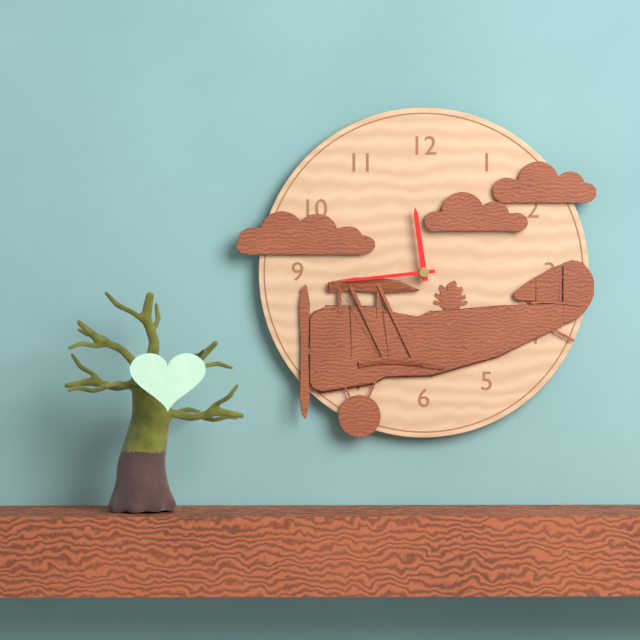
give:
11.44
